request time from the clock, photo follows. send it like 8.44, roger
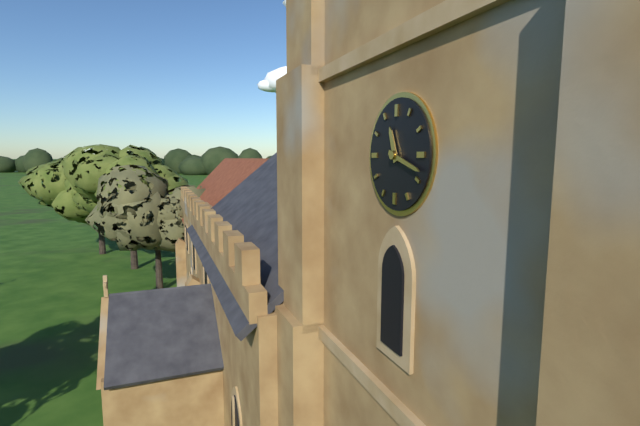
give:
11.18
